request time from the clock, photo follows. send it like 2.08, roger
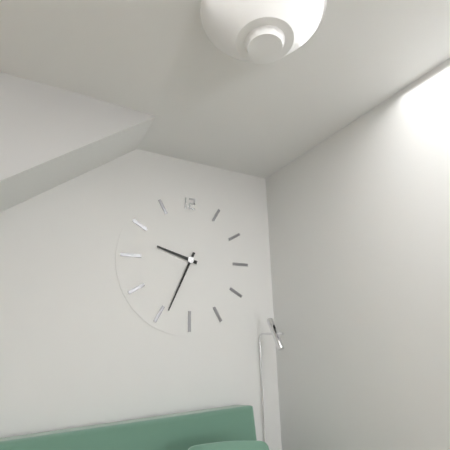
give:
9.34
